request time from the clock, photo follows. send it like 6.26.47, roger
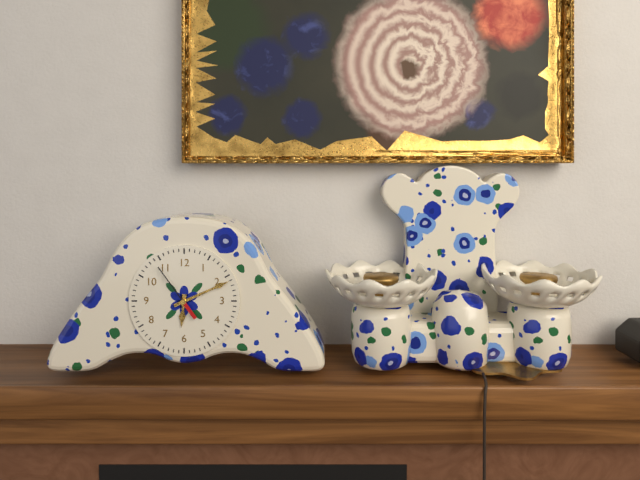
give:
6.11.54
